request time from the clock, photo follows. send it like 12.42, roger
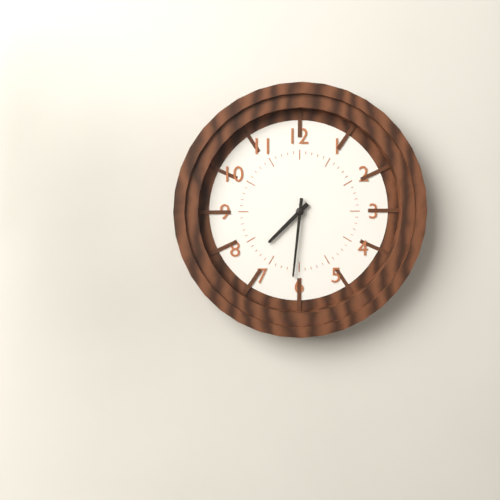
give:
7.31
